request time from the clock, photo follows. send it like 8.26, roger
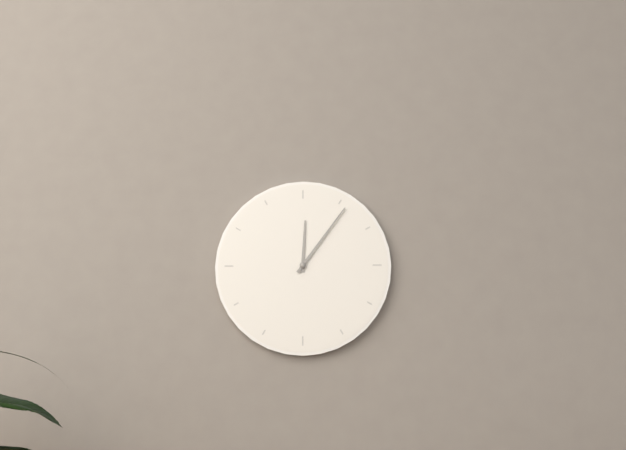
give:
12.06
